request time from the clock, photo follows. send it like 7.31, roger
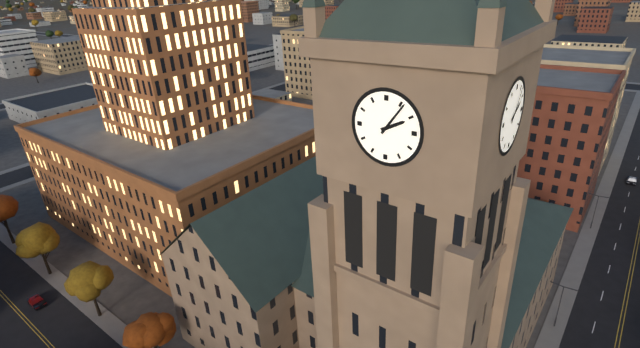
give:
2.06
